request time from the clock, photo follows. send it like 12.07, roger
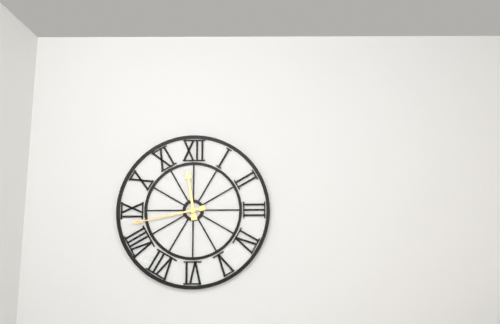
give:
11.43
